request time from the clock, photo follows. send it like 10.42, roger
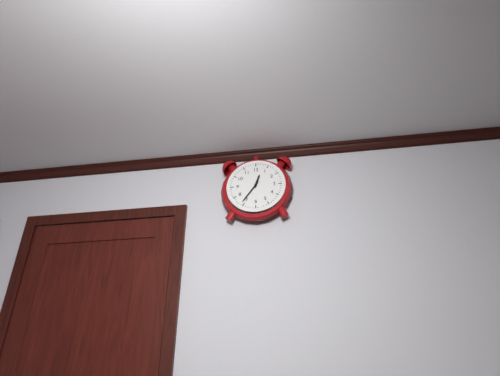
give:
12.36
